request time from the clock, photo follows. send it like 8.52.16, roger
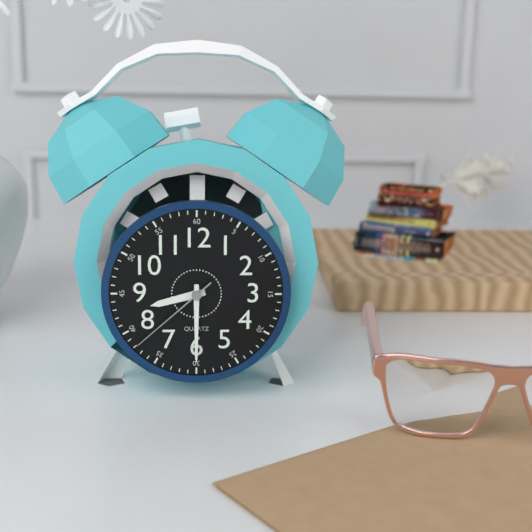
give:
8.30.38
